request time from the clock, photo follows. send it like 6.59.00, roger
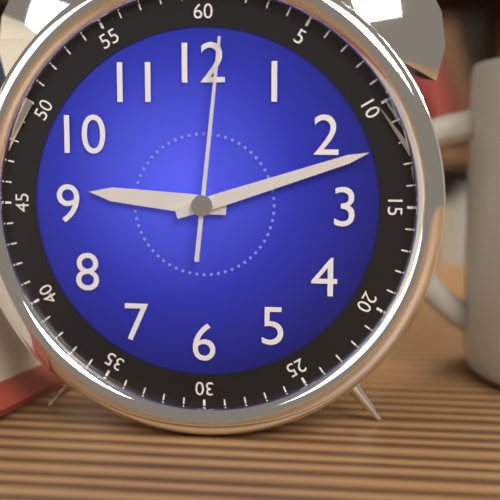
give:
9.12.01
